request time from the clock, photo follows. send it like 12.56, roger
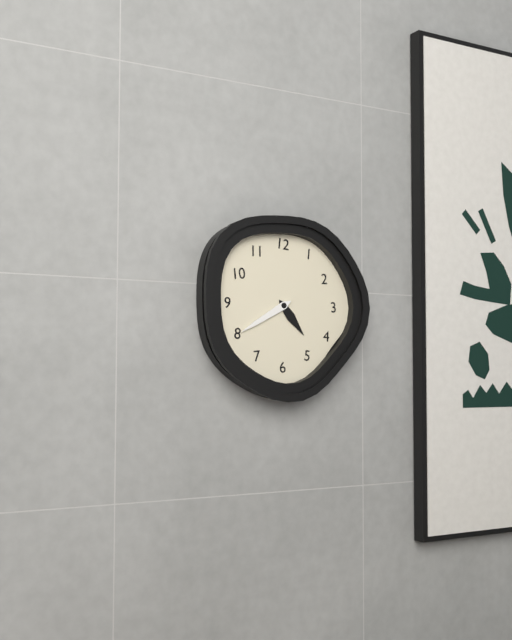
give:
4.40
